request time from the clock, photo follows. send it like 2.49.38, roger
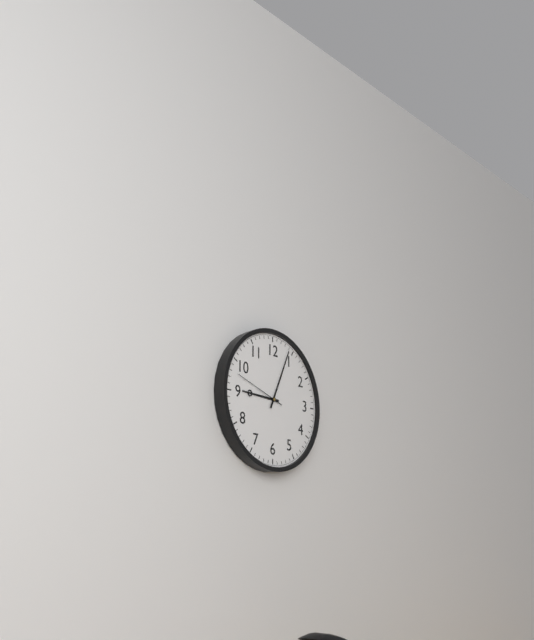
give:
9.04.48
